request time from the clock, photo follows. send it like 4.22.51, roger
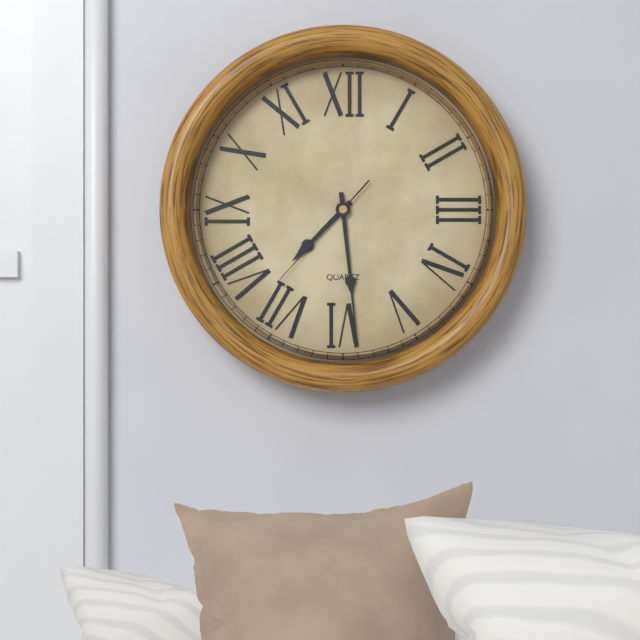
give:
7.29.37
